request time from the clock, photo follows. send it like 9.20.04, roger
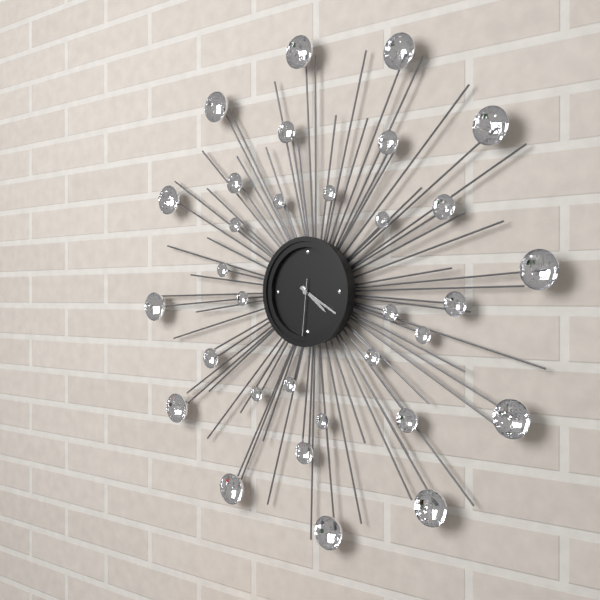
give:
4.20.31
